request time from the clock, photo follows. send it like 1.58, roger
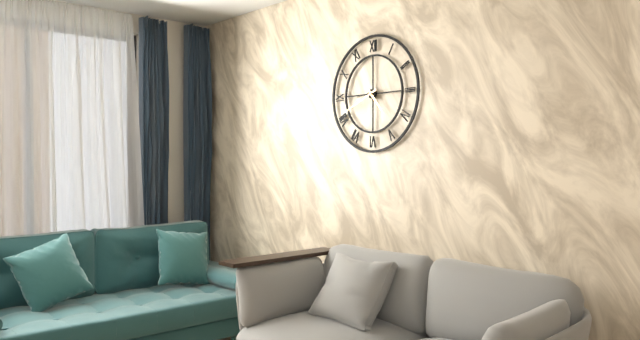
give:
4.41
